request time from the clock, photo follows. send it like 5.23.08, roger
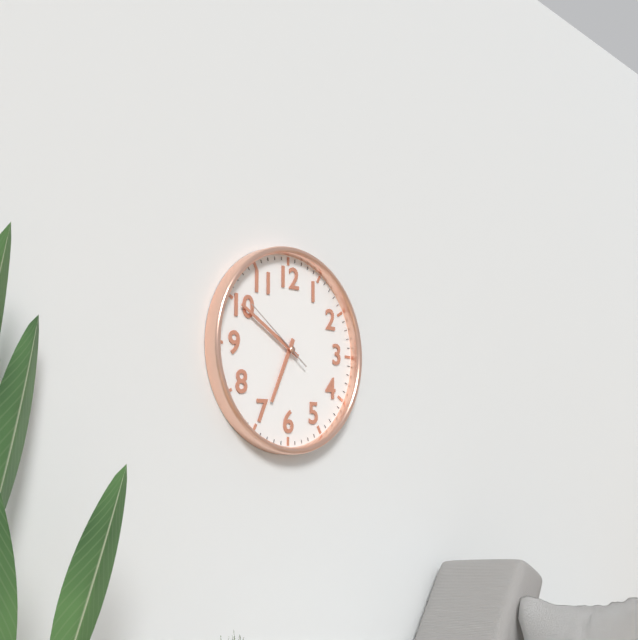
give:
6.50.51
